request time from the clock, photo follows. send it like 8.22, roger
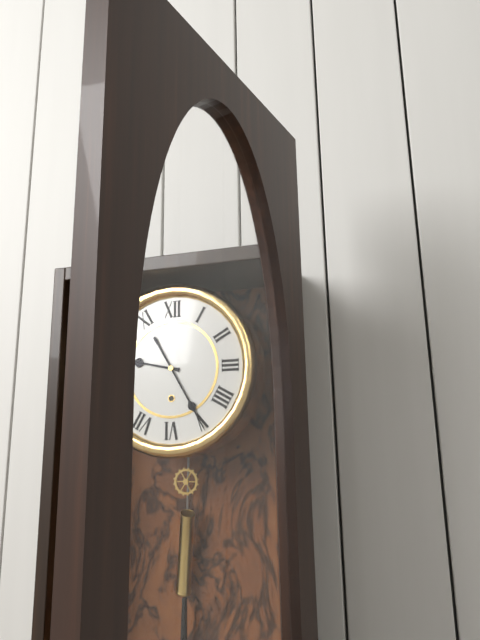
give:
9.25
